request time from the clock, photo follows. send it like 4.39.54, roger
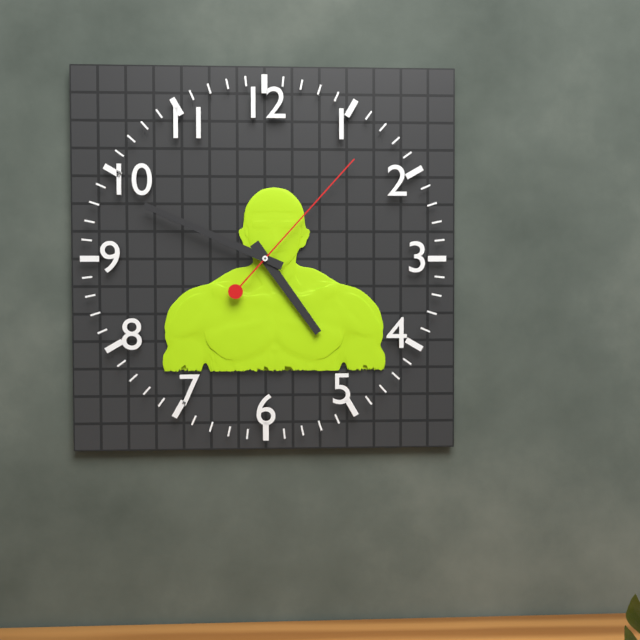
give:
4.49.07
